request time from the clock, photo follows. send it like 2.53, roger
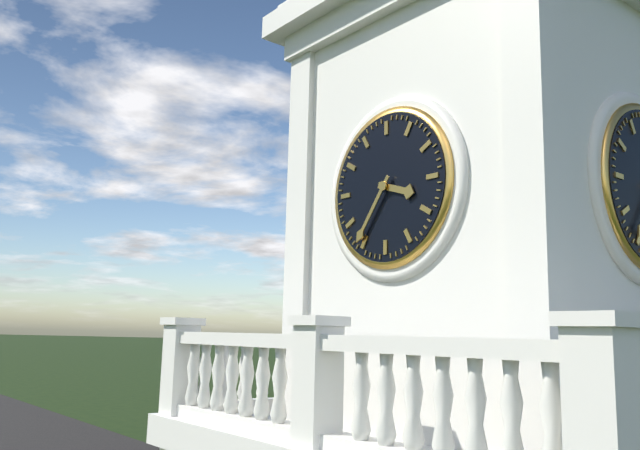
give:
3.36
